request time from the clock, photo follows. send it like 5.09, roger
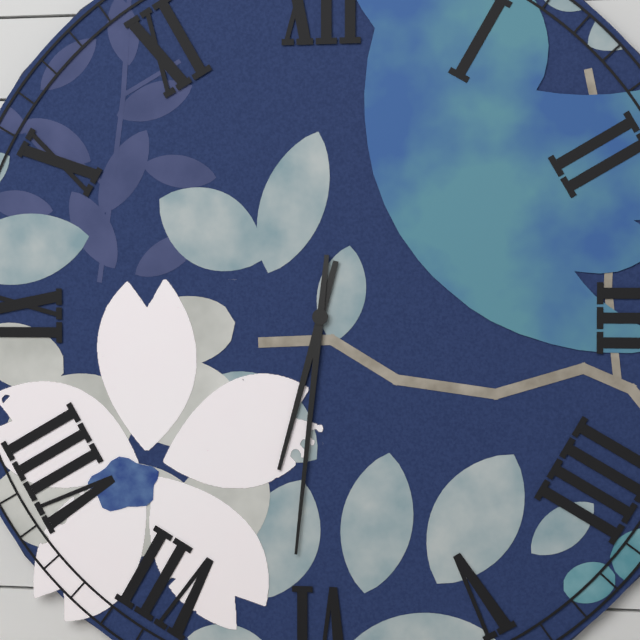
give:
6.31
